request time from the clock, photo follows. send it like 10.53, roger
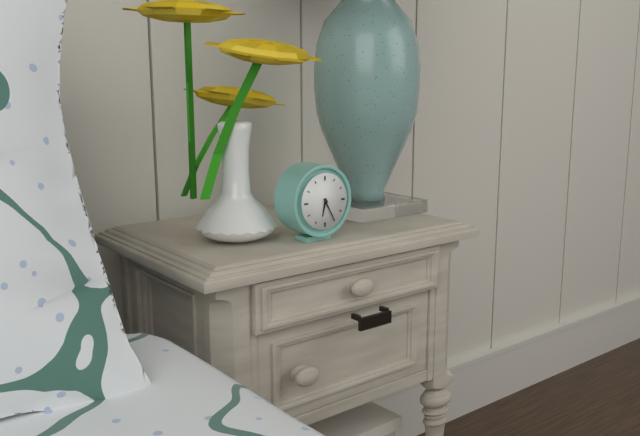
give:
6.25
